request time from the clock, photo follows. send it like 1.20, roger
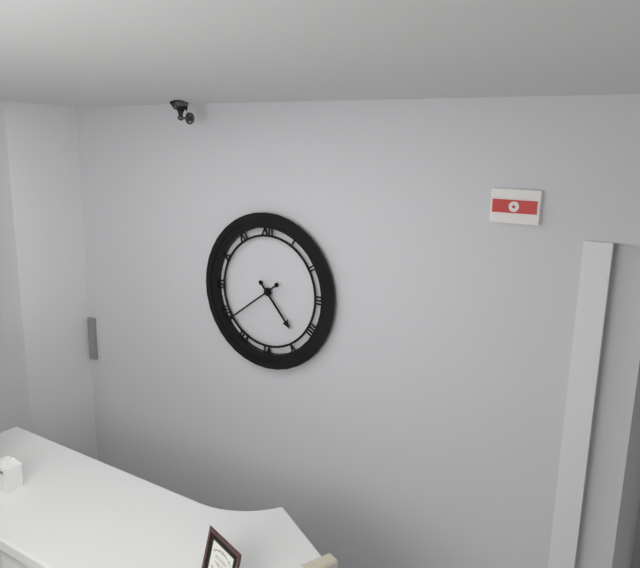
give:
4.39
